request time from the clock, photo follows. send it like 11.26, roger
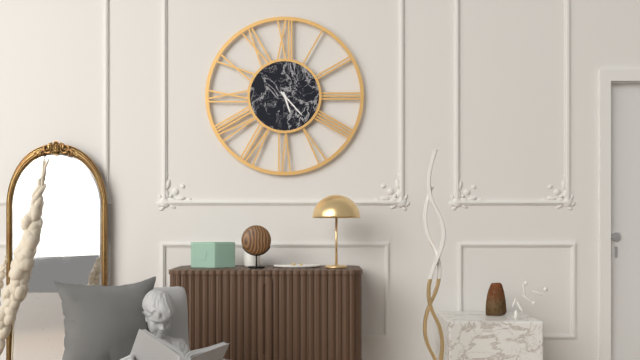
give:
5.23
